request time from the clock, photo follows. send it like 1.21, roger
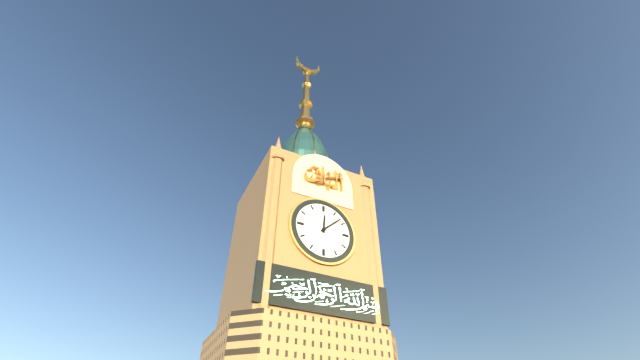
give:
12.08
